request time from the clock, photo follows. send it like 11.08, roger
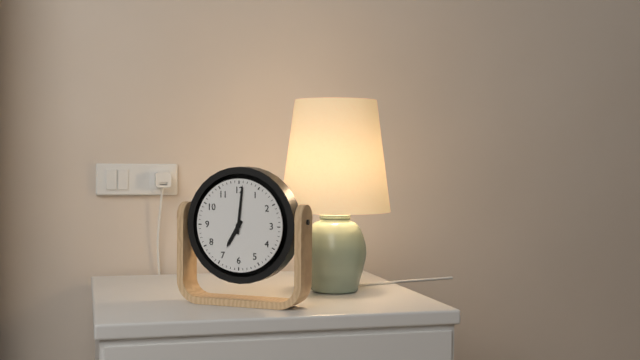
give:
7.01
